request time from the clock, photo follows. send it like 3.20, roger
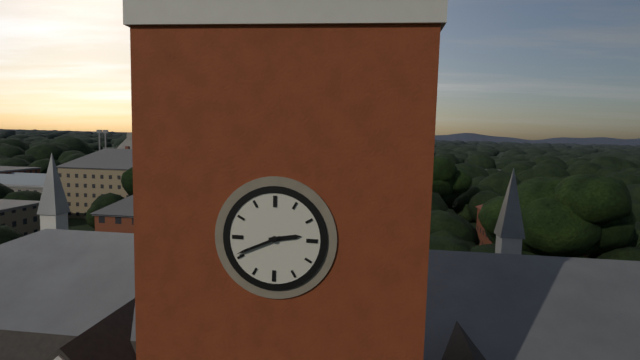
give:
2.41
